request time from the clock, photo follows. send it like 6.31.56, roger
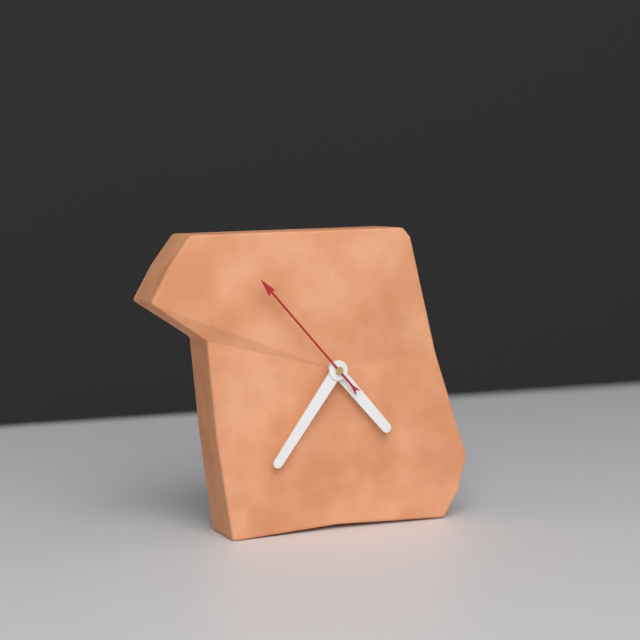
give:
4.36.53
